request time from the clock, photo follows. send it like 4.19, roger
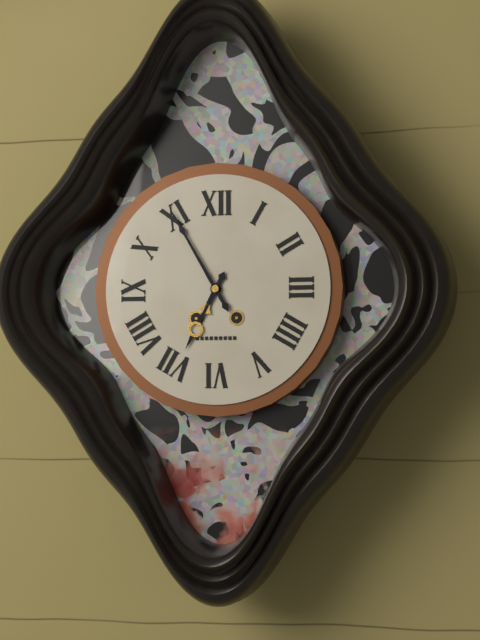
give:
6.55
